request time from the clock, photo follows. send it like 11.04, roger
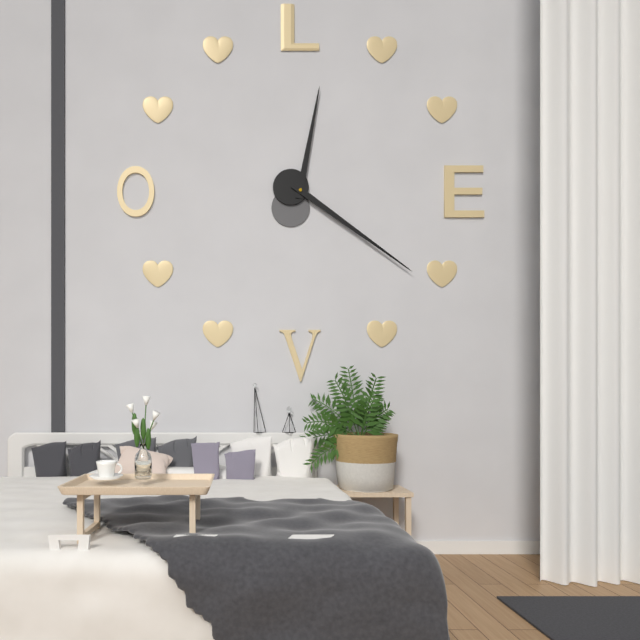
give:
12.21
